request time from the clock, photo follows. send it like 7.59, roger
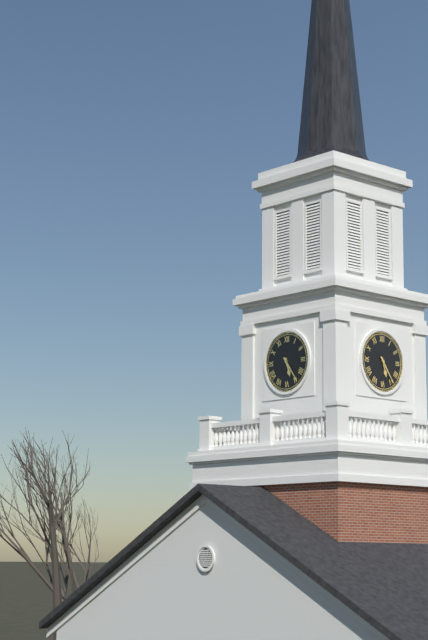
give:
5.24
